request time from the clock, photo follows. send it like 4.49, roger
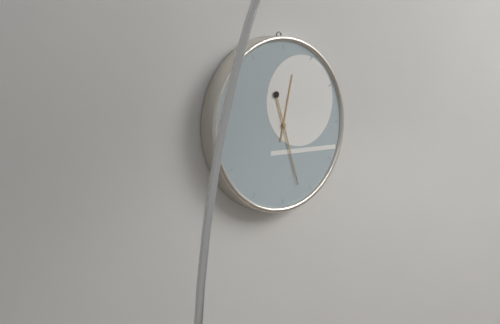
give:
12.27
